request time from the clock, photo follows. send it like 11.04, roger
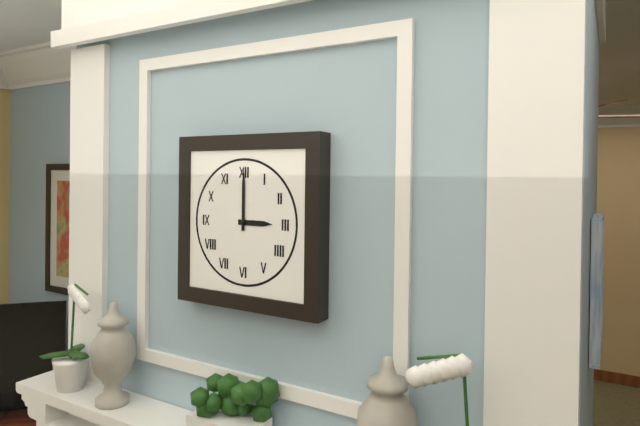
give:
3.00
